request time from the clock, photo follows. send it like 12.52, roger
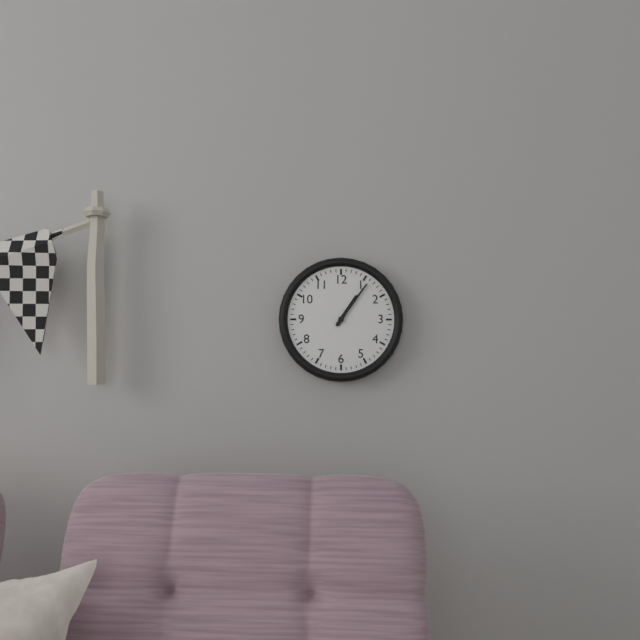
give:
1.06
